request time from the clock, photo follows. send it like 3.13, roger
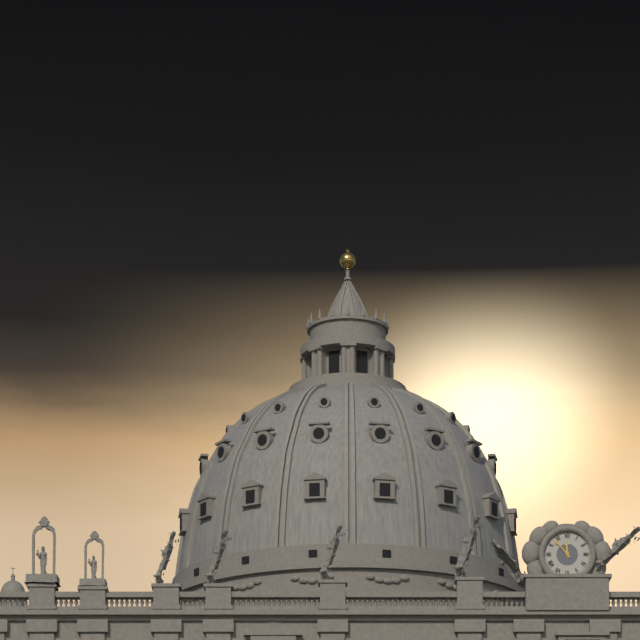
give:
11.53
